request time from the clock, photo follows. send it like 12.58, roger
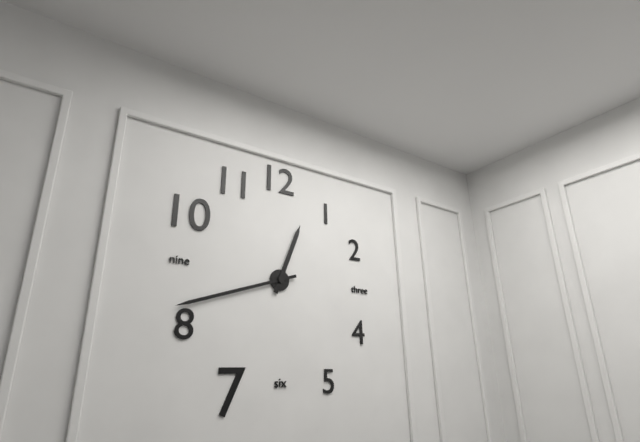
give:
12.42
